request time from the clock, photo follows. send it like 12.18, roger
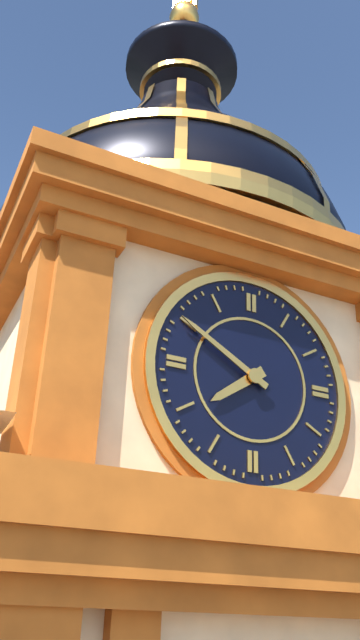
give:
7.50
